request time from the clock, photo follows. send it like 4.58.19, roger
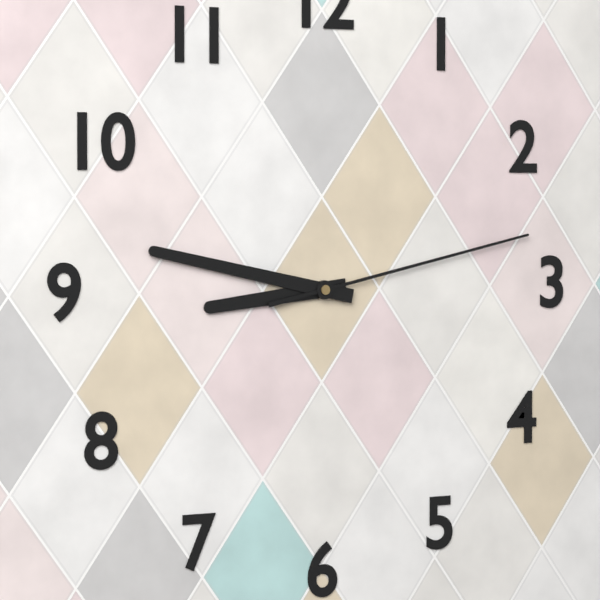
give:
8.47.13
